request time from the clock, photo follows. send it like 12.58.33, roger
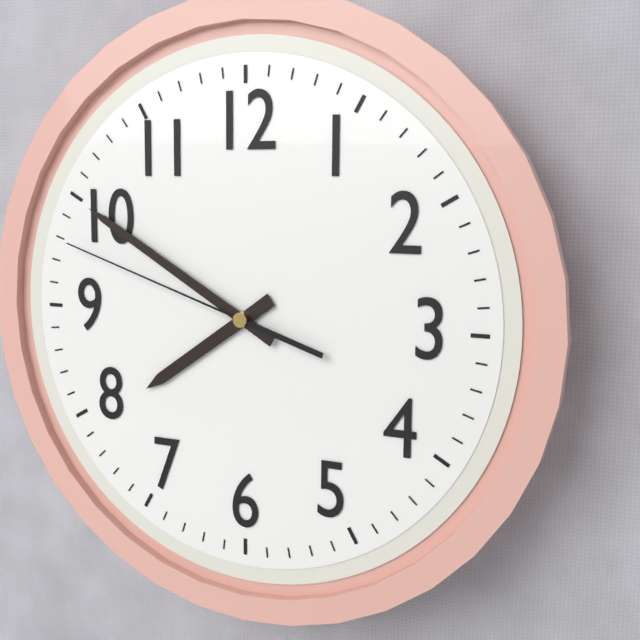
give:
7.50.48
